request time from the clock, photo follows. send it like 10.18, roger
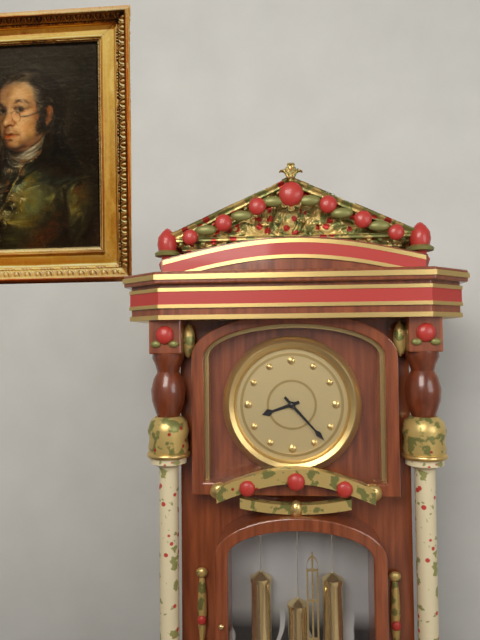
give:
8.23
